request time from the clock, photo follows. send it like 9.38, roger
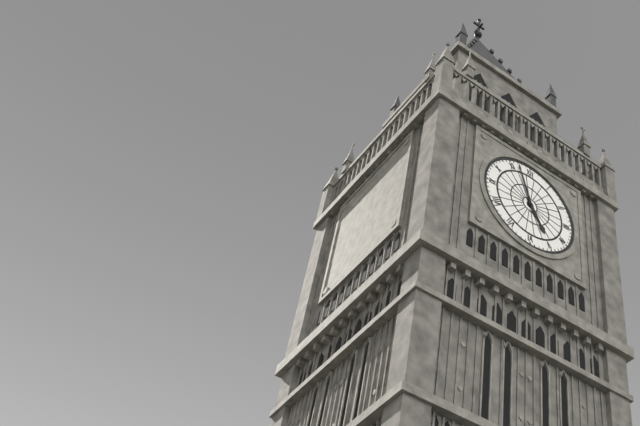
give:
4.57
